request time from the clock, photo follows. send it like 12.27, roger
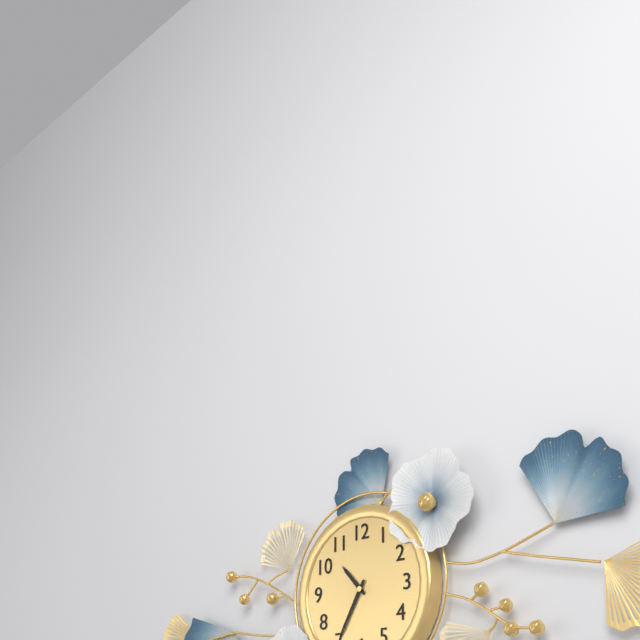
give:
10.35
